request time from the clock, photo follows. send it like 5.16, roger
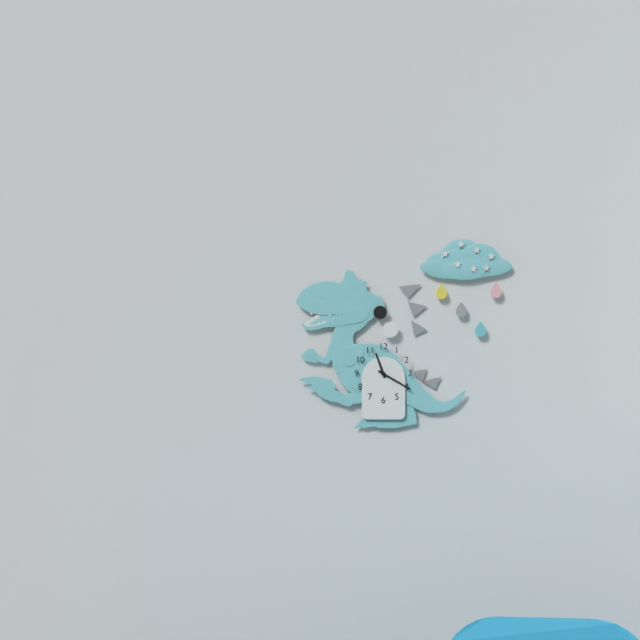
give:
11.20
